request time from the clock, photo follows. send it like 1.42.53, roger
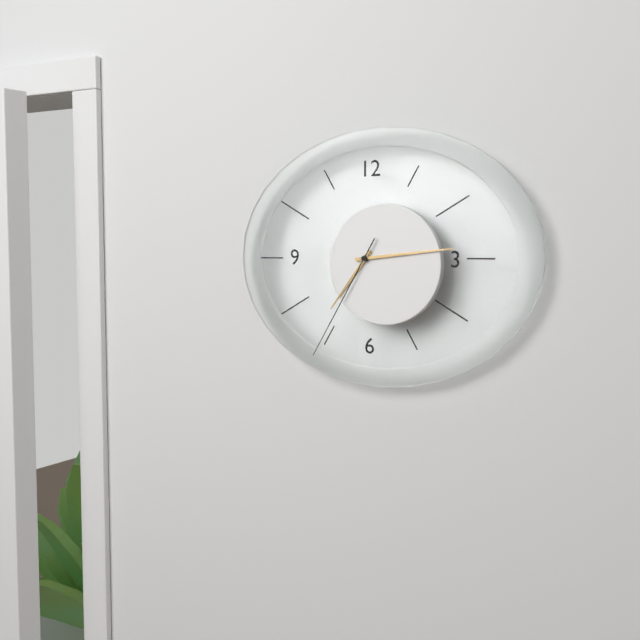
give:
7.14.35
